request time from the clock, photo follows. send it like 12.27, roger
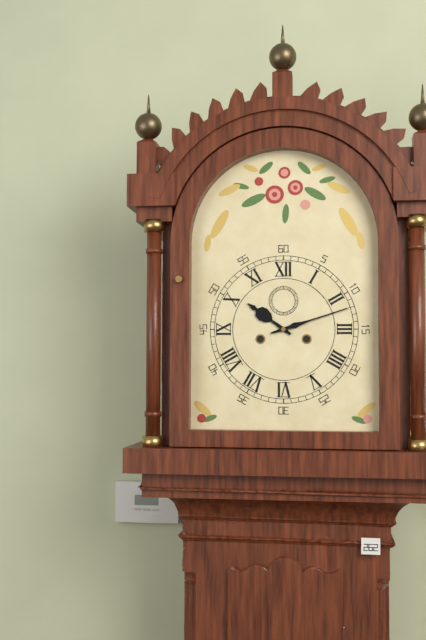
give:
10.12
